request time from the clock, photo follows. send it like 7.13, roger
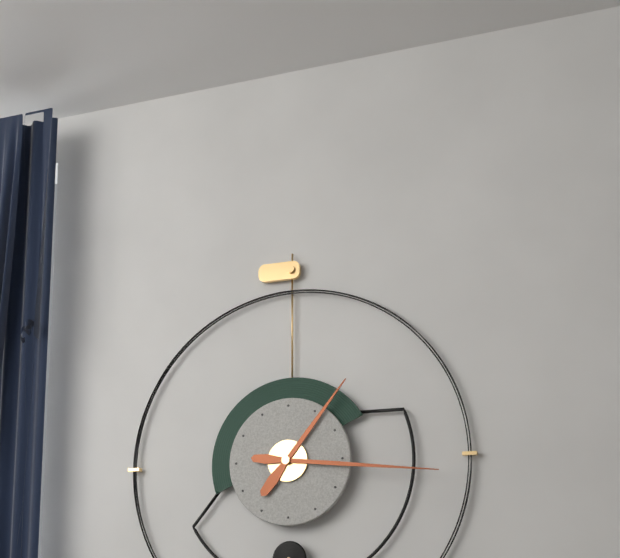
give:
1.16
